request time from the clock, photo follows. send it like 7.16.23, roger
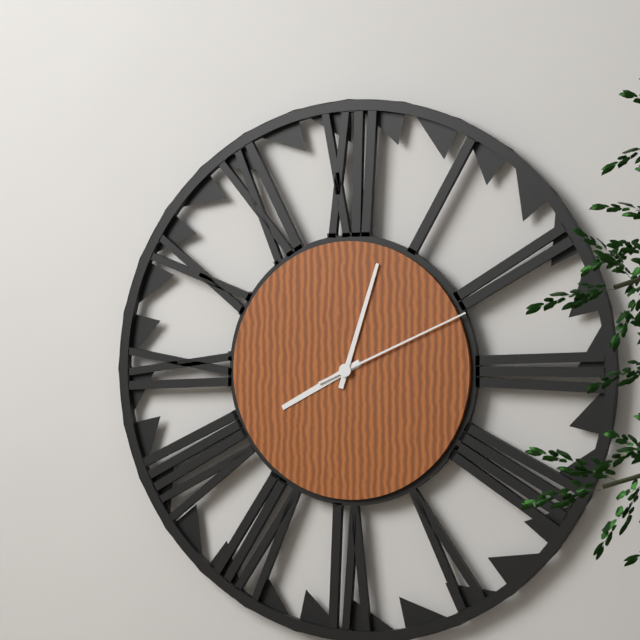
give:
8.03.11
